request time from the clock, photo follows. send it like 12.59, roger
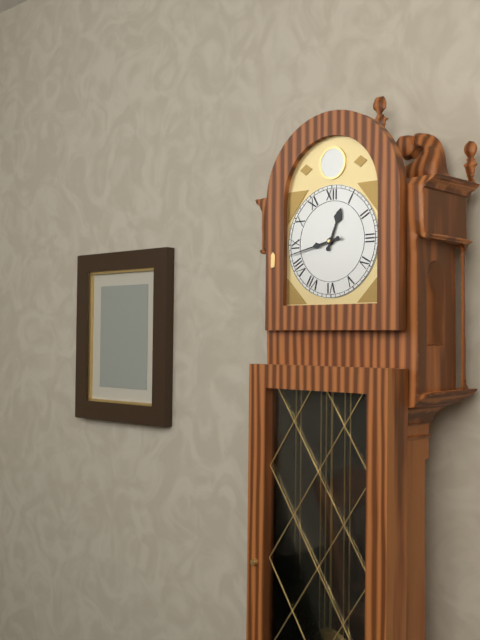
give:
12.43
